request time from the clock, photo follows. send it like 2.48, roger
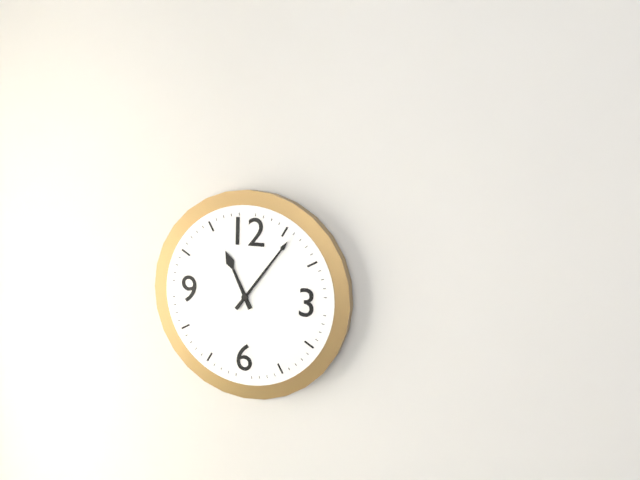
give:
11.06
